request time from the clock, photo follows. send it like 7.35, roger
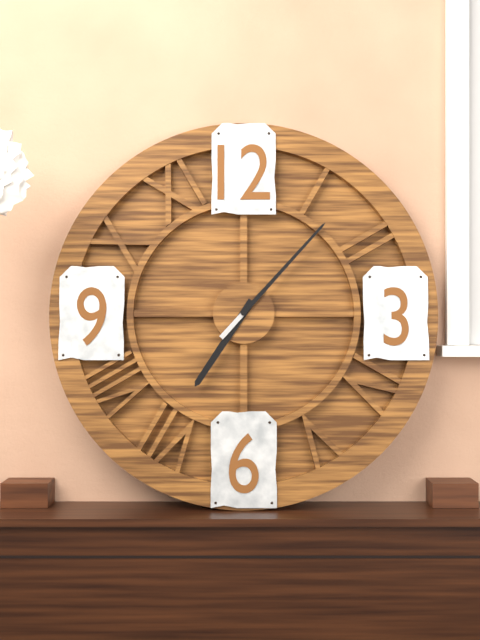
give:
7.07
